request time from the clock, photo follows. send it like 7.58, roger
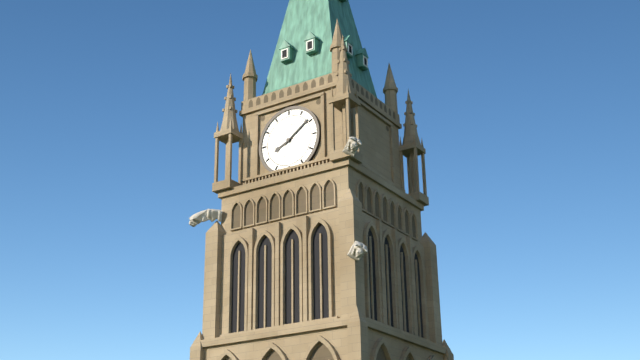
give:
8.09
